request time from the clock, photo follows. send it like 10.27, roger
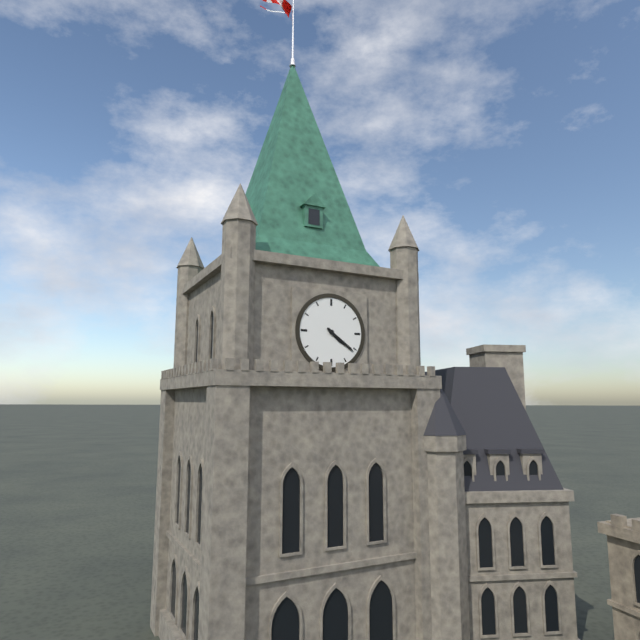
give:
4.21
